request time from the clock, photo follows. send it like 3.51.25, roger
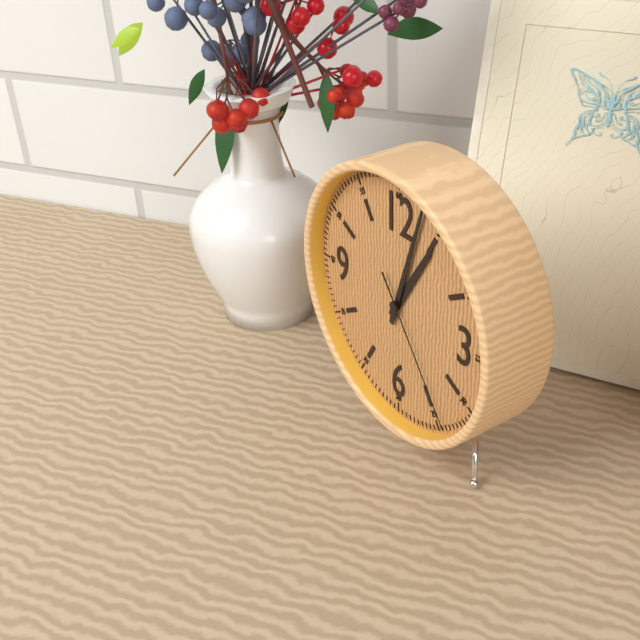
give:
1.03.24
